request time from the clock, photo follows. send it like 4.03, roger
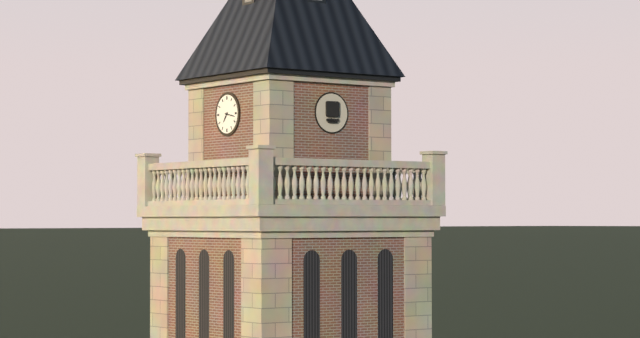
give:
7.17
